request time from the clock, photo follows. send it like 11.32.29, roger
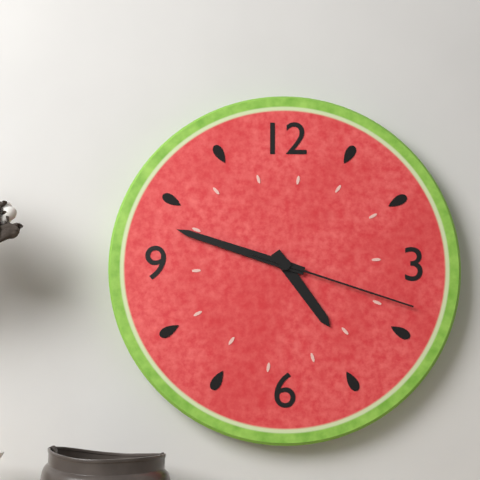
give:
4.48.18
